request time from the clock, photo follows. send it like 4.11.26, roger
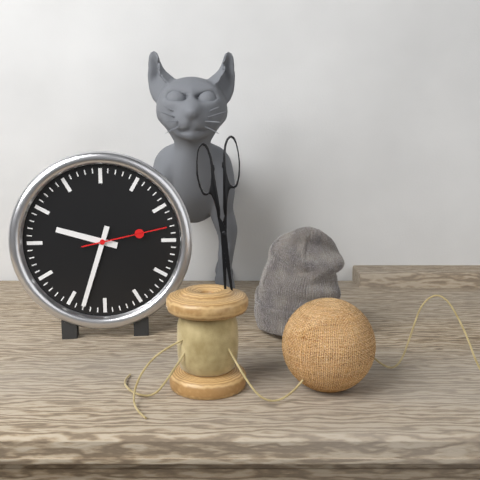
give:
9.33.13
